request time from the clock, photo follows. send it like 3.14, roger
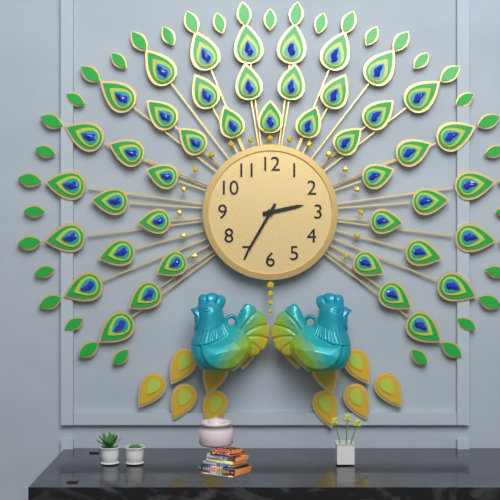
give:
2.35
